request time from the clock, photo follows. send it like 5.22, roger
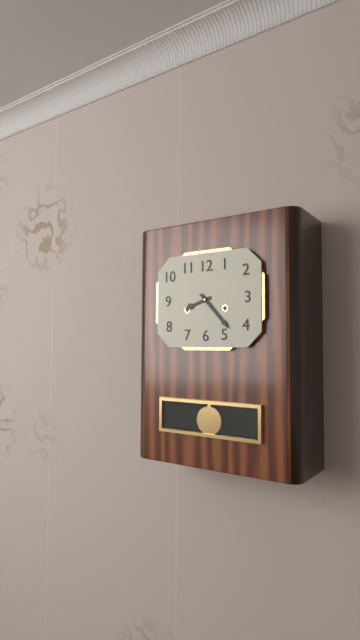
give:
8.23
